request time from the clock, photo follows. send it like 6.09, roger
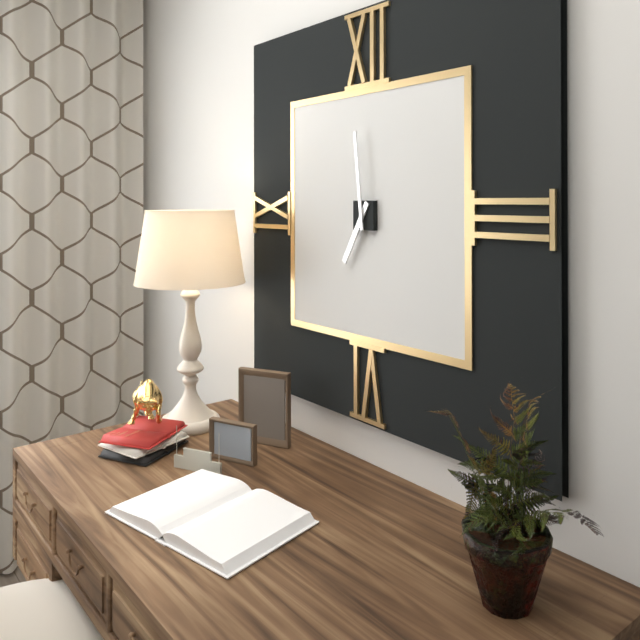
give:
6.59
